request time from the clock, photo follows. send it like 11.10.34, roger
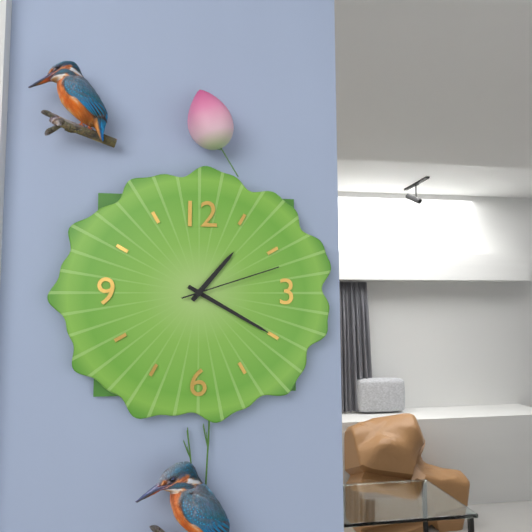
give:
1.20.12
